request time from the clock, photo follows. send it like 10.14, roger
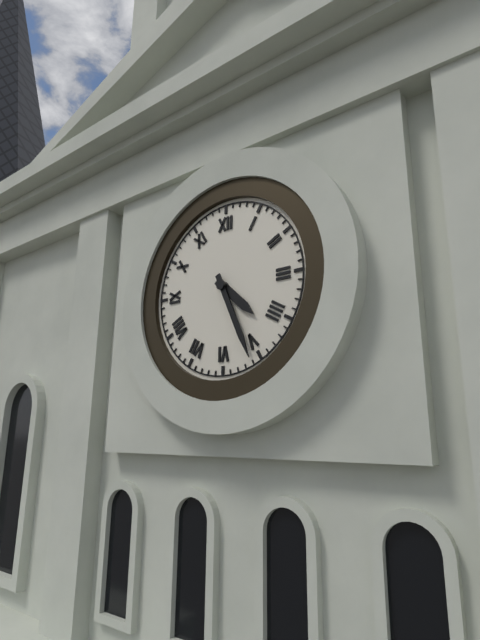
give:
4.26
